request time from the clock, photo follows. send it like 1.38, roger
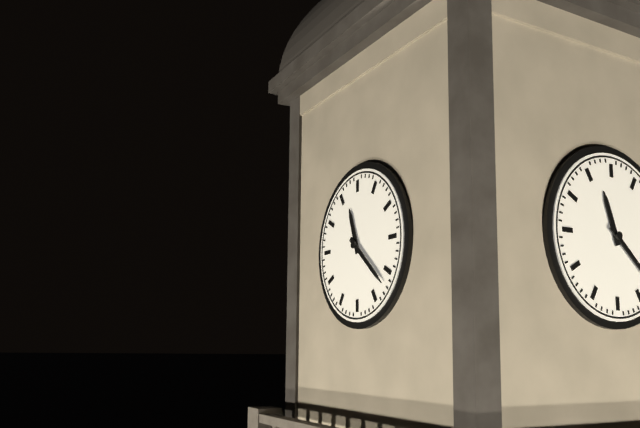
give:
11.22
